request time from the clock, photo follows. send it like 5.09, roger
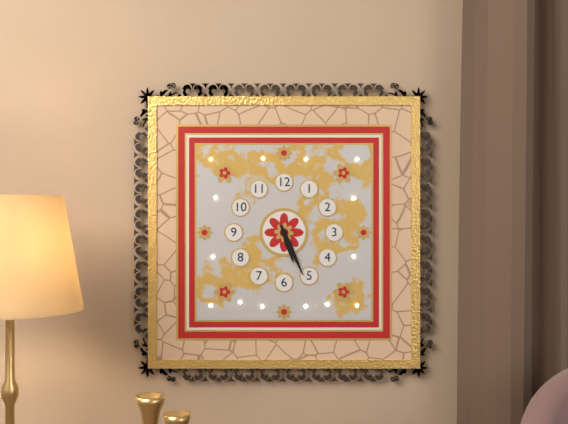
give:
5.26
